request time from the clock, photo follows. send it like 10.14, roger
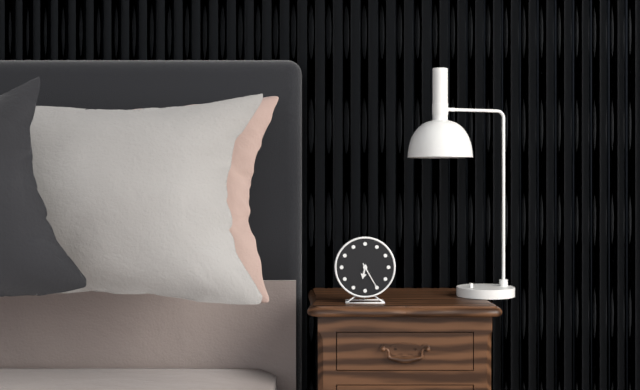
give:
6.25
